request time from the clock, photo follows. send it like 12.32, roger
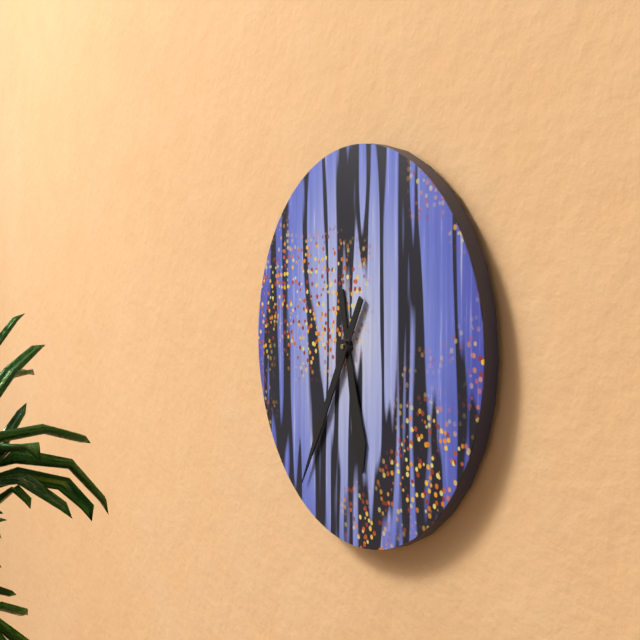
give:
5.35
